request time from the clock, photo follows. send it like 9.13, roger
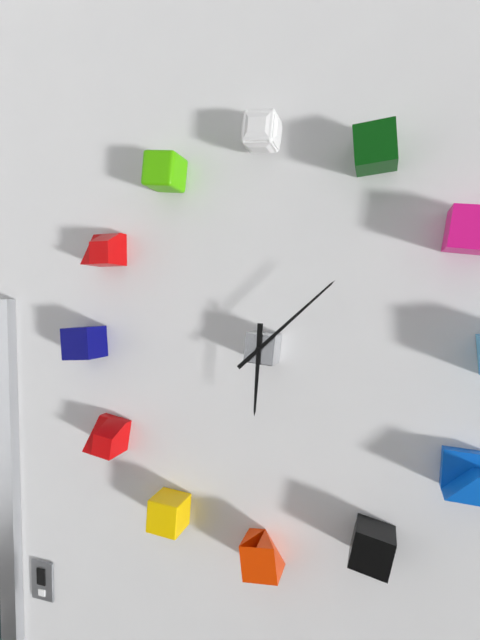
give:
6.08
